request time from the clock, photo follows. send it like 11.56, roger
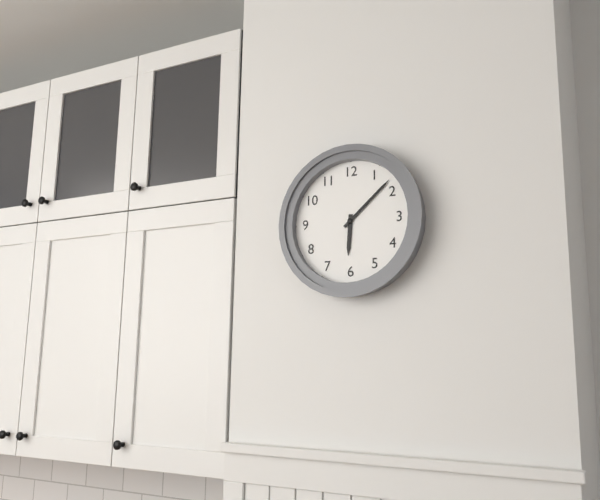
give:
6.08
